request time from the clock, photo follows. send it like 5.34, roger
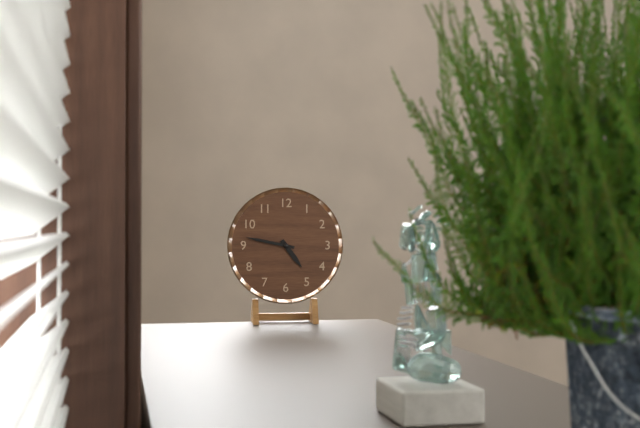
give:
4.47
